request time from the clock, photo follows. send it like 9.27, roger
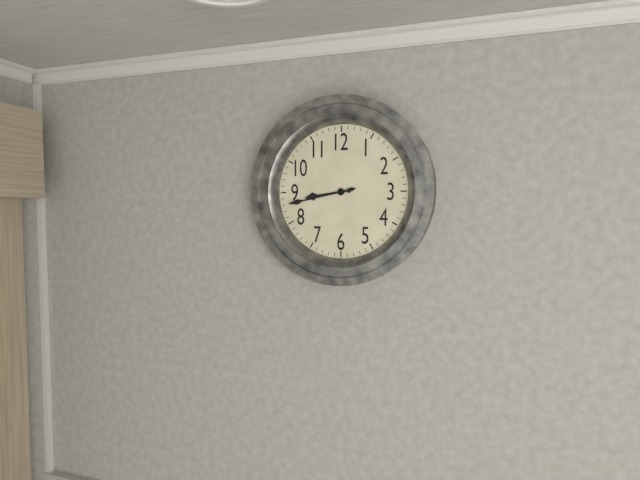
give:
8.43
